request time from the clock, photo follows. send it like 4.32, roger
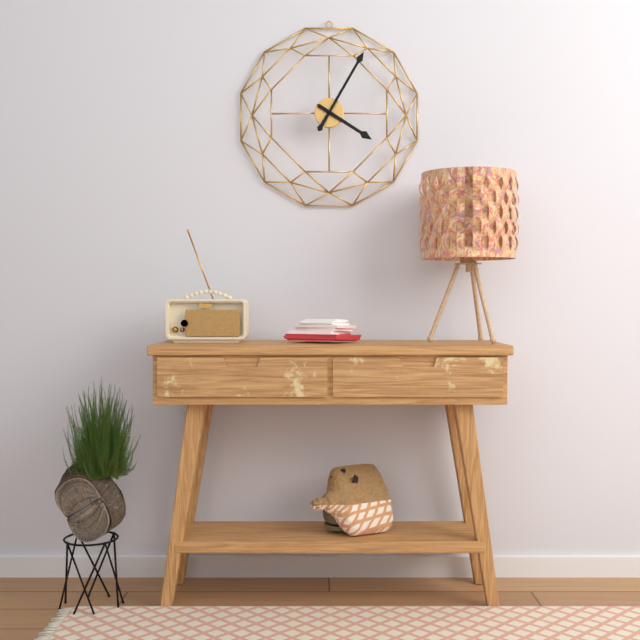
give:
4.05
